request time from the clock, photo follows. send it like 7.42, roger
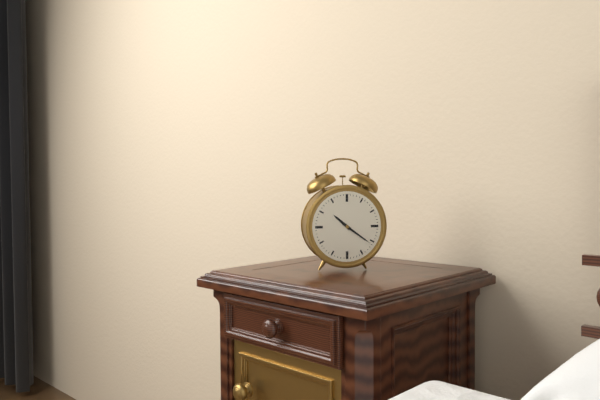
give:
10.21
